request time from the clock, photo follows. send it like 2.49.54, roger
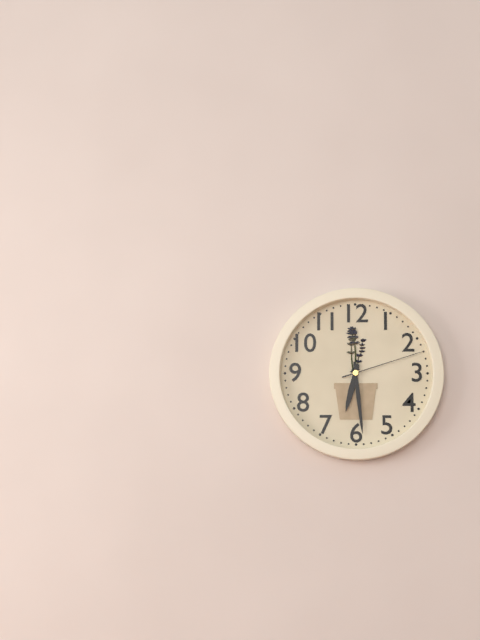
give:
6.29.12
